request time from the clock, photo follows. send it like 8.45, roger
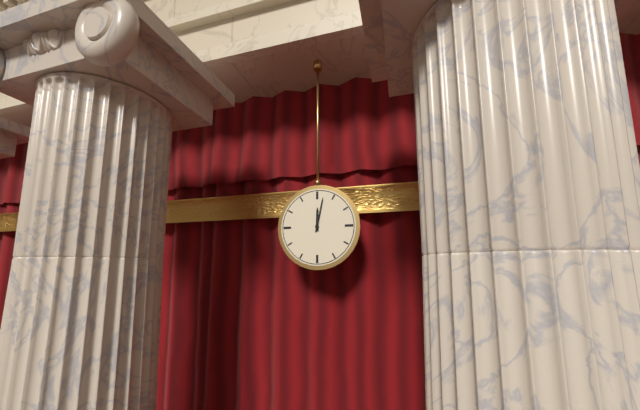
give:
12.02
